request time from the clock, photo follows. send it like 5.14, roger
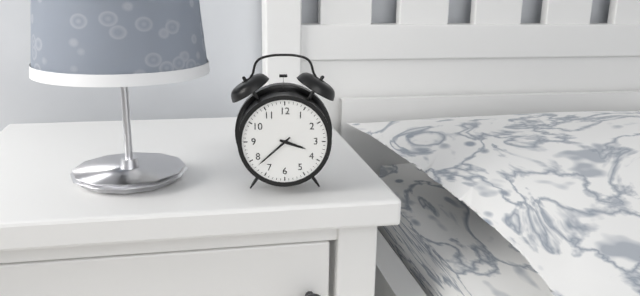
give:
3.38
